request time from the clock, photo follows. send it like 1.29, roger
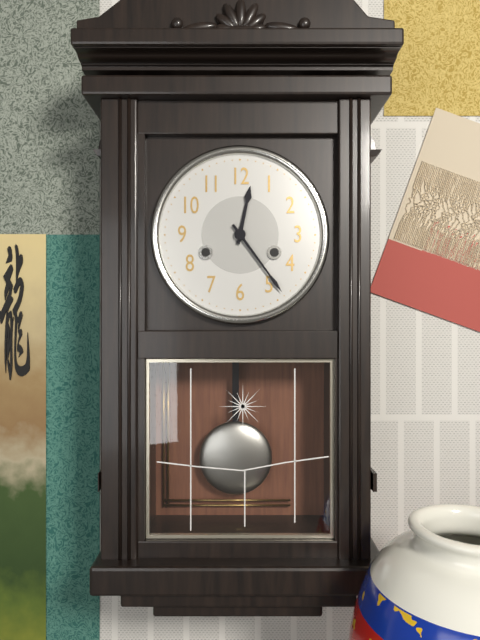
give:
12.24
